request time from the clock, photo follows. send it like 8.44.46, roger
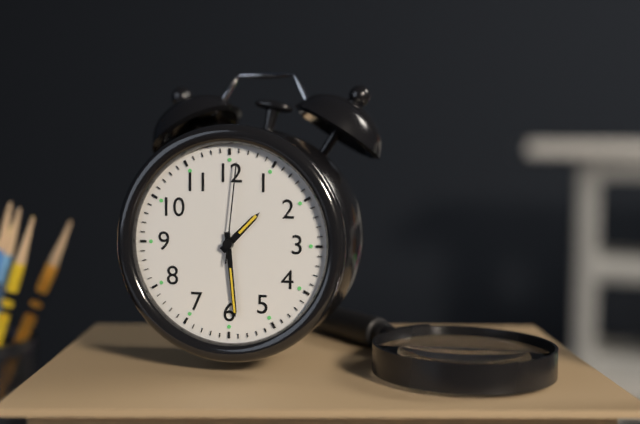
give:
1.29.01
